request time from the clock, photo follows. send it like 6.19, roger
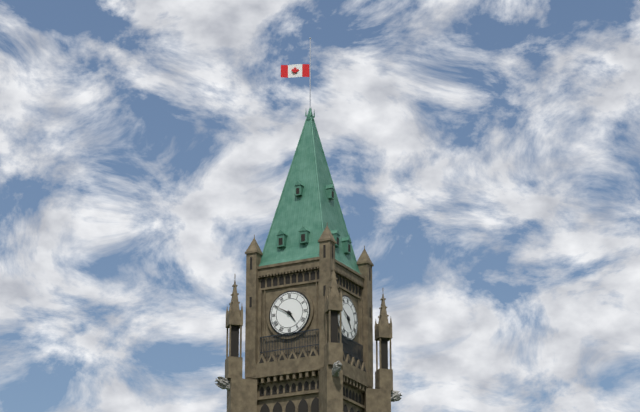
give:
4.50
